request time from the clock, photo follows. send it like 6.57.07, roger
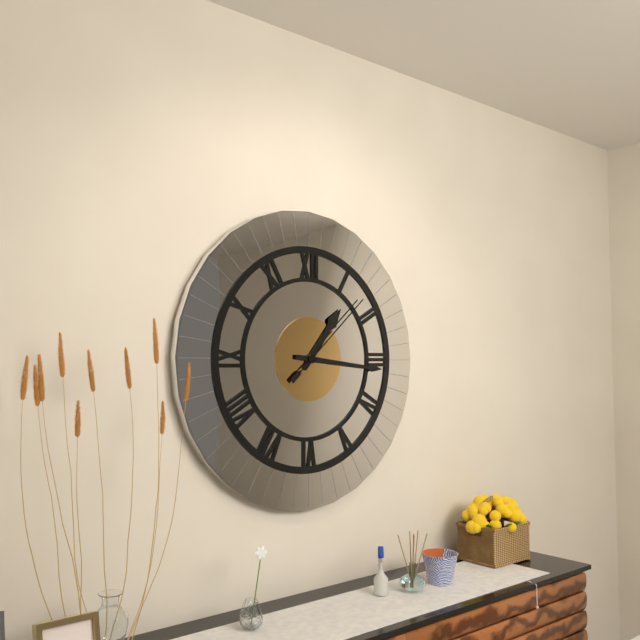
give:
1.16.08
